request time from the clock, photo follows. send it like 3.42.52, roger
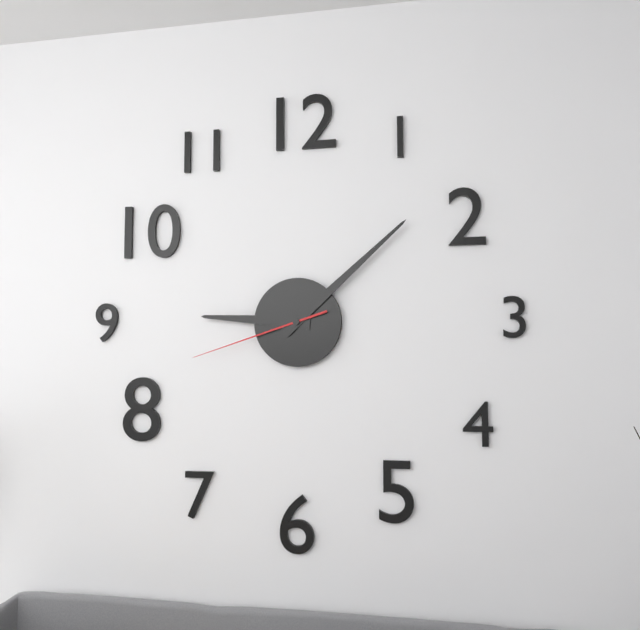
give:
9.08.42
